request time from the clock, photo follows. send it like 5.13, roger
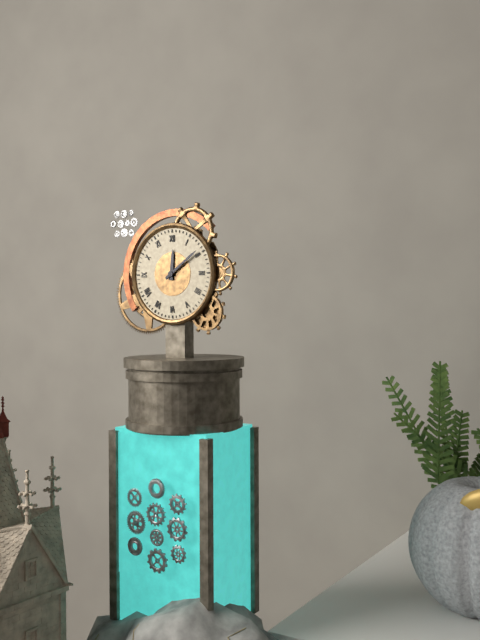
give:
12.09
